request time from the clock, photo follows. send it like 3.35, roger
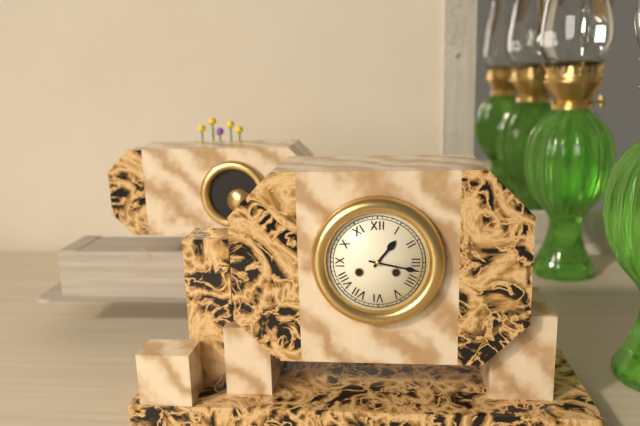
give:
1.17
